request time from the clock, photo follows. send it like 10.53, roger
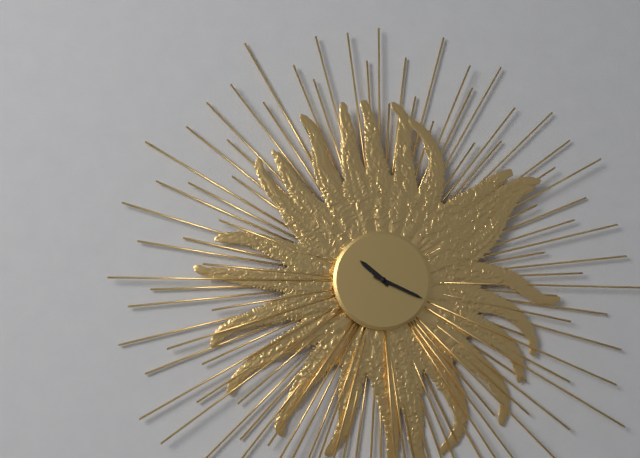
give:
10.19
